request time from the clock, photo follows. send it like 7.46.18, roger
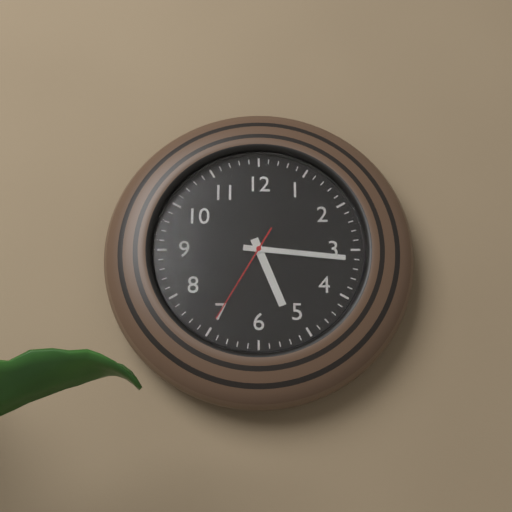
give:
5.16.35
